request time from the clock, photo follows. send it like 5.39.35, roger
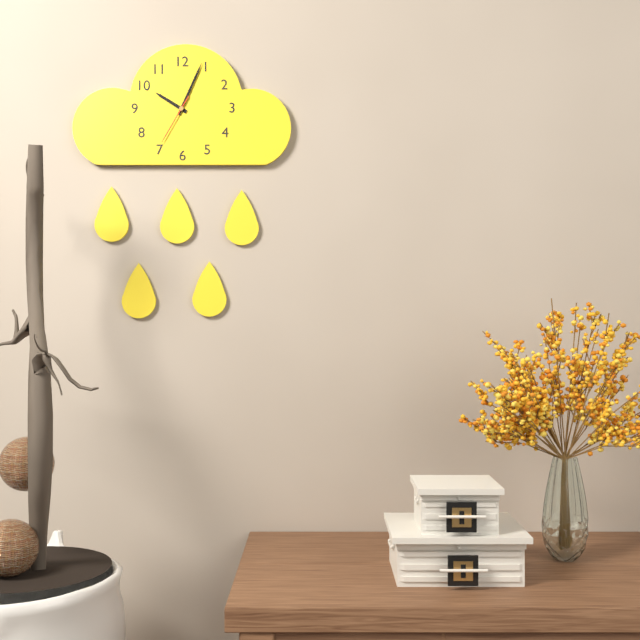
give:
10.04.35
